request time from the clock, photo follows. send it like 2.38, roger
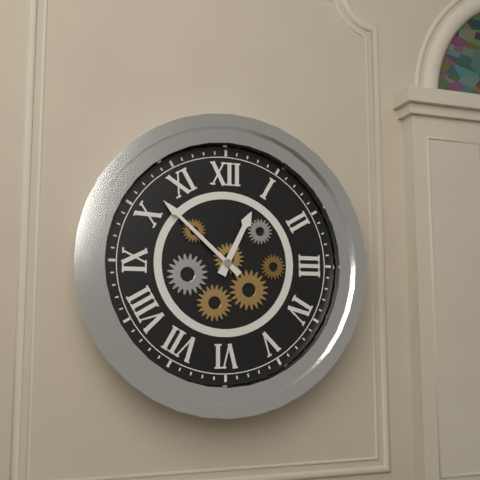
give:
12.52
